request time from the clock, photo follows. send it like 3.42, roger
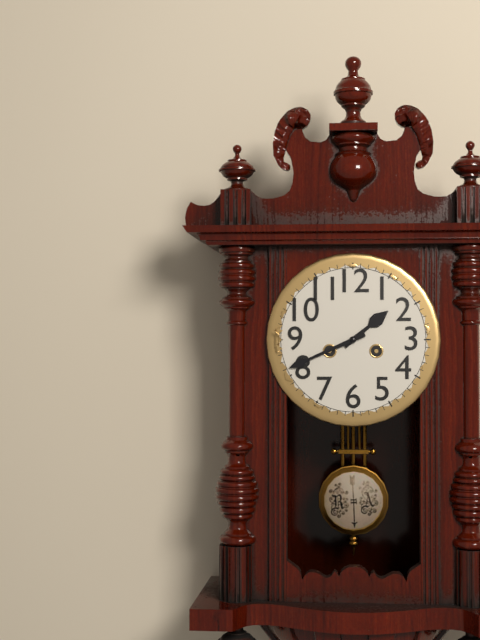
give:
1.41
